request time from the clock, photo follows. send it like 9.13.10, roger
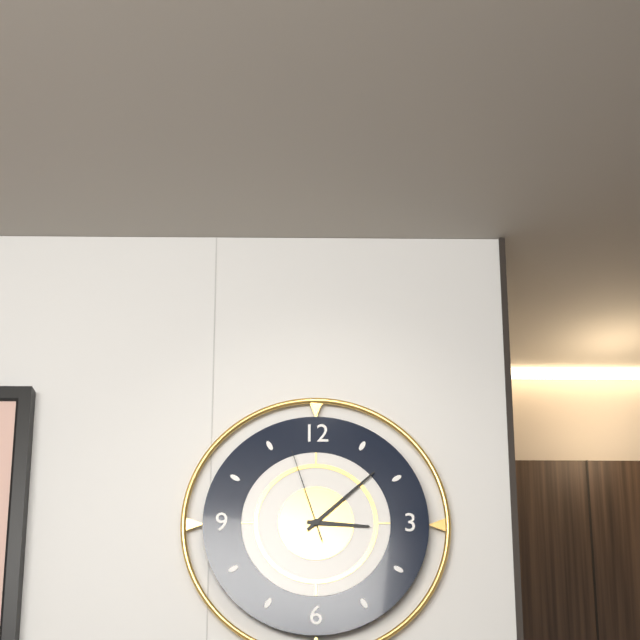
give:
3.08.57
